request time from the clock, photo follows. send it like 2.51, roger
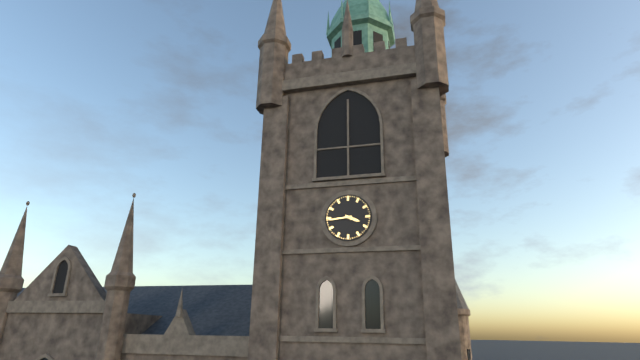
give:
3.44
